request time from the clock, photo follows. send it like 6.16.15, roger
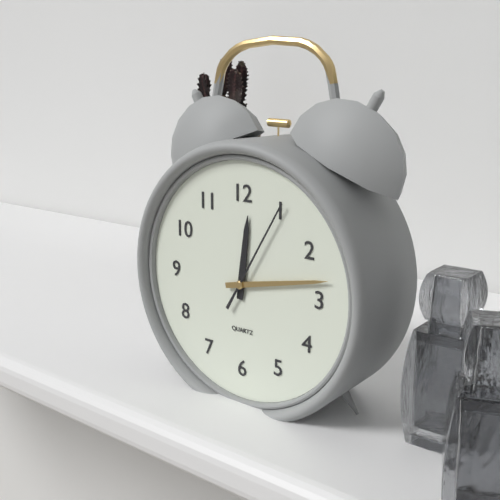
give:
12.13.05
